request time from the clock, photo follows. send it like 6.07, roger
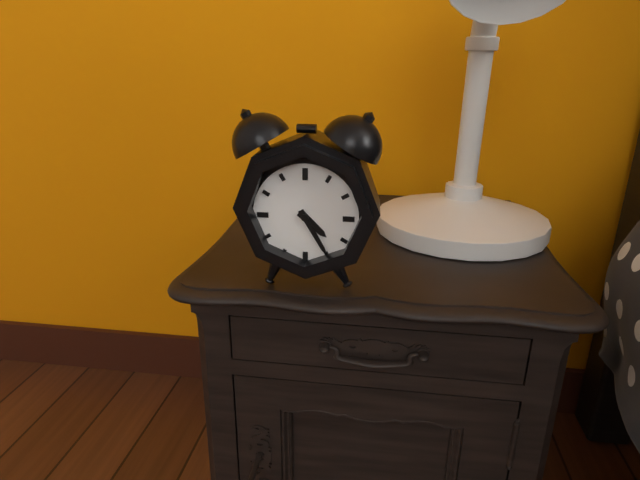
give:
4.25
